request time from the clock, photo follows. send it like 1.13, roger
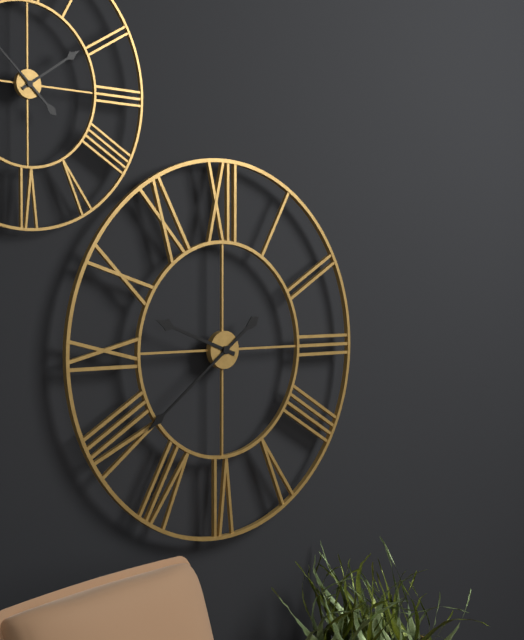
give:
9.39
